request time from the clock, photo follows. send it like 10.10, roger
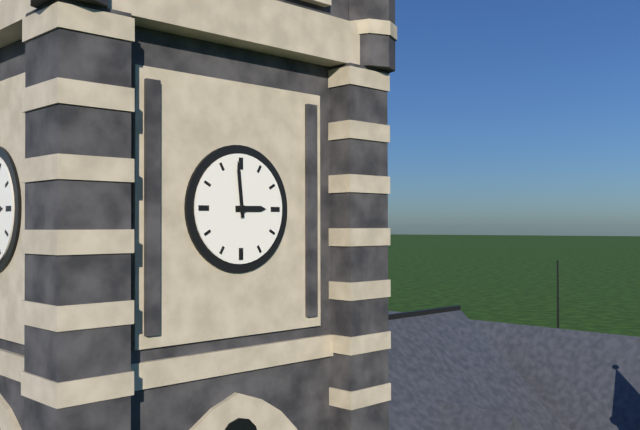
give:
2.59
